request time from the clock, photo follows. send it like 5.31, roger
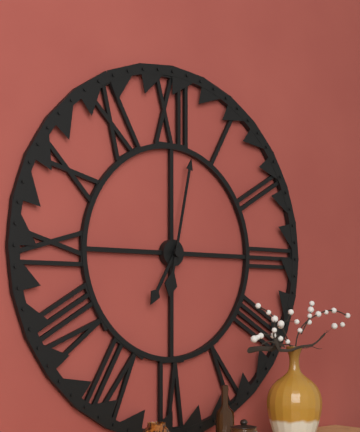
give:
7.02
